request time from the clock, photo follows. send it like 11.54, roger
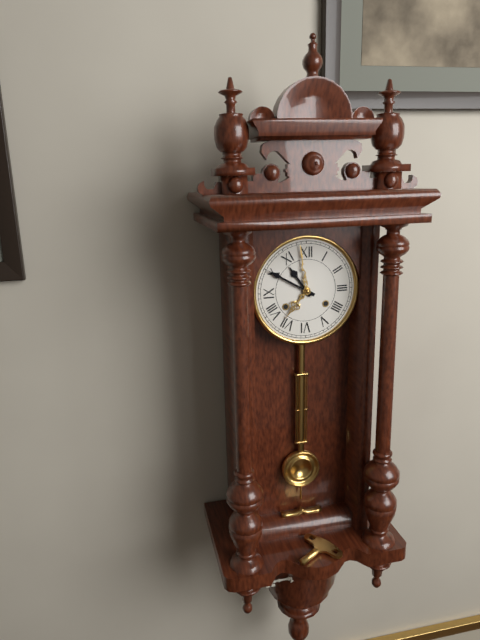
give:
10.50
